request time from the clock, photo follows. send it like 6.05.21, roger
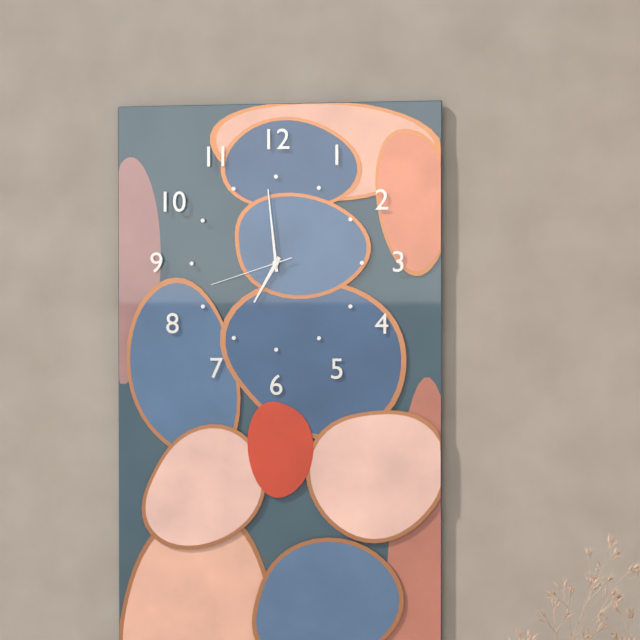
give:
6.59.42
